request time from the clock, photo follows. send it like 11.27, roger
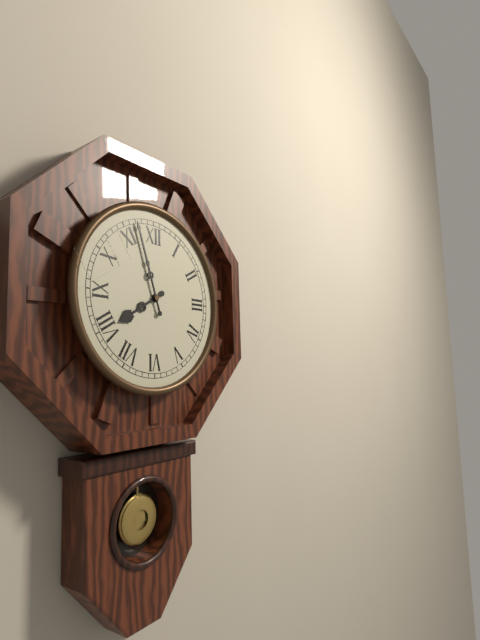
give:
7.57
